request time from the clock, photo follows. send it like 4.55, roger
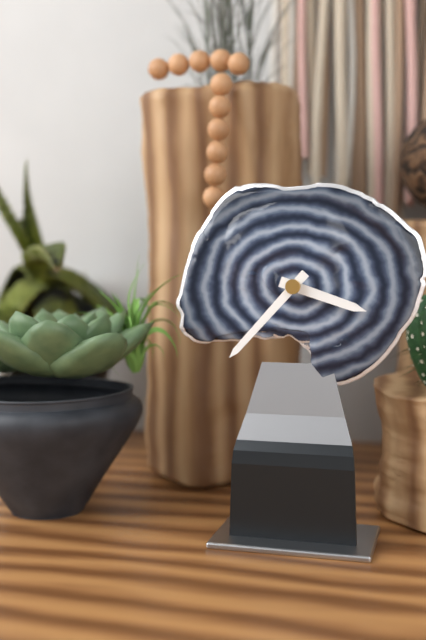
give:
3.37
